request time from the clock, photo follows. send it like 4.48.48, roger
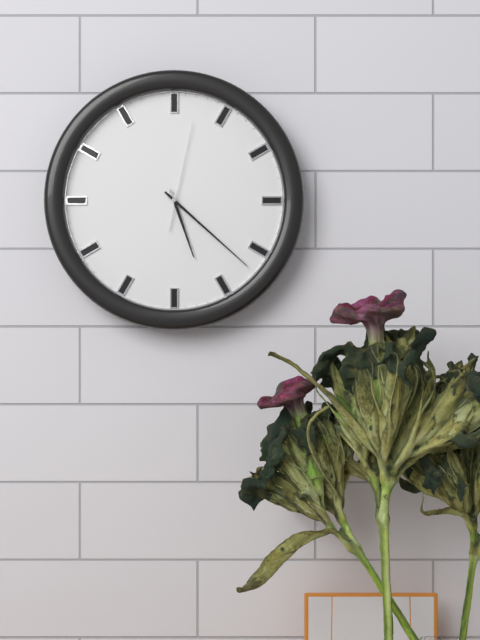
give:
5.22.02
